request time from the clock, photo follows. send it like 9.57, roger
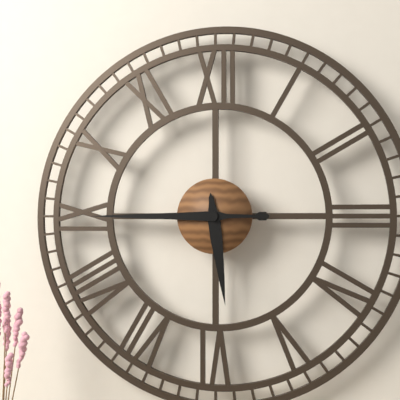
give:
5.45
